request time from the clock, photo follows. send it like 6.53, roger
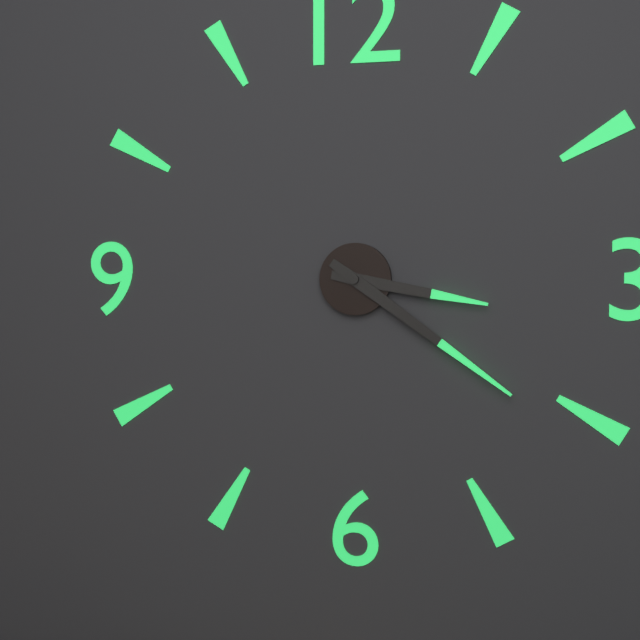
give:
3.21
